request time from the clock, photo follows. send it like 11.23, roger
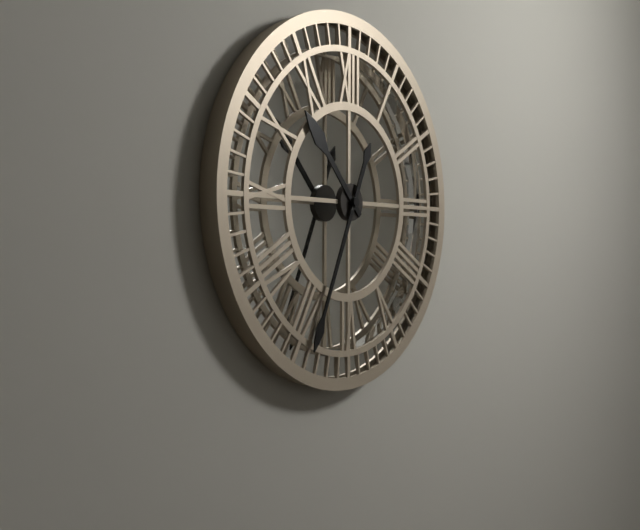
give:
10.34
